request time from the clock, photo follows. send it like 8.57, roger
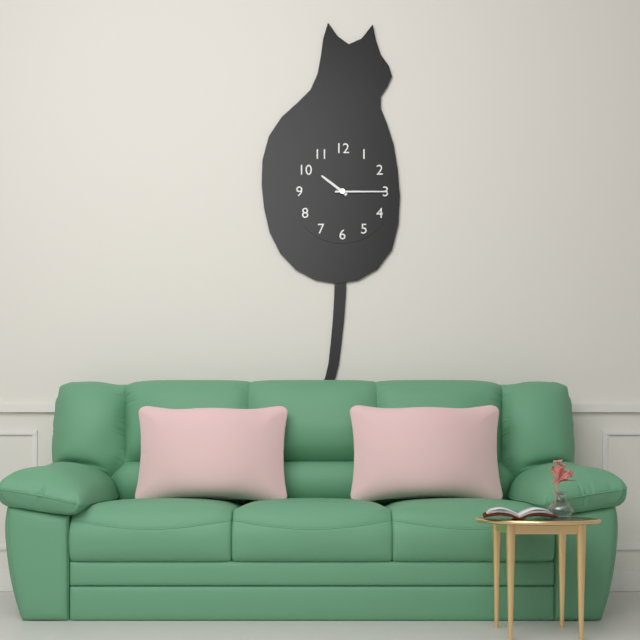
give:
10.15
